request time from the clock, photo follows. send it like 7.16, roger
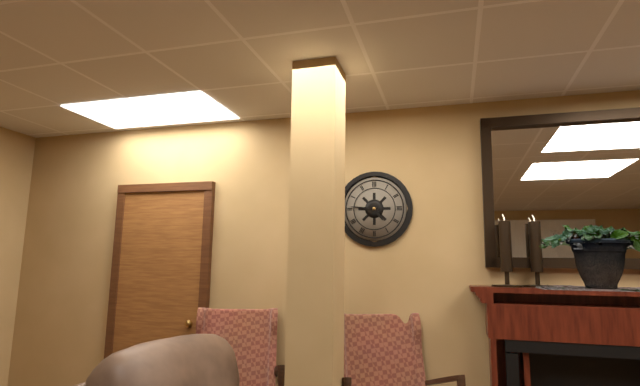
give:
4.46
